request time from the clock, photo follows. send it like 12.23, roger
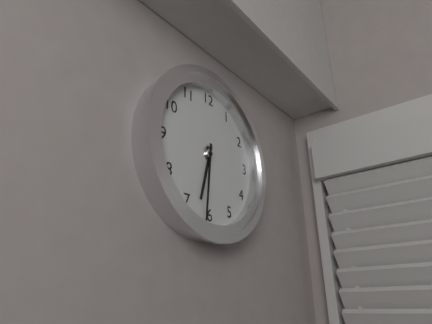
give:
6.31
